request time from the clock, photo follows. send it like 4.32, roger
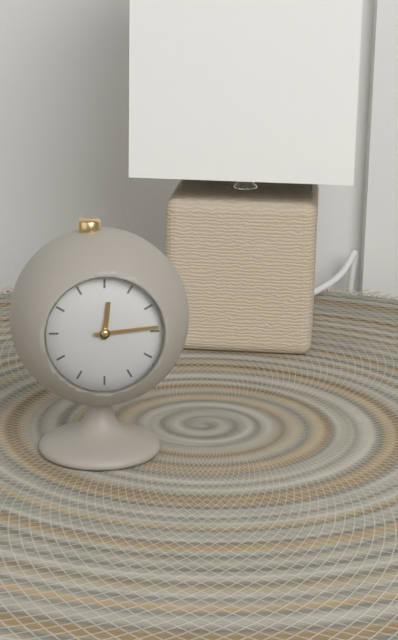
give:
12.14
